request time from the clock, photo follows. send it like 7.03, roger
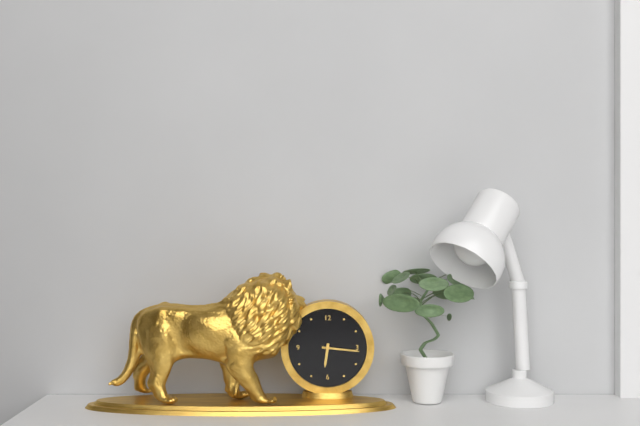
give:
6.16
